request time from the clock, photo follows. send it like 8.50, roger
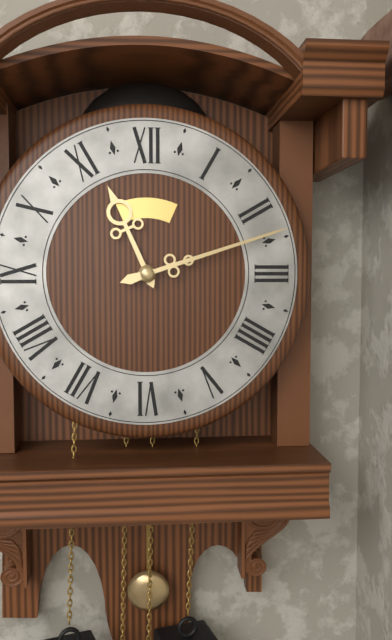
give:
11.12
